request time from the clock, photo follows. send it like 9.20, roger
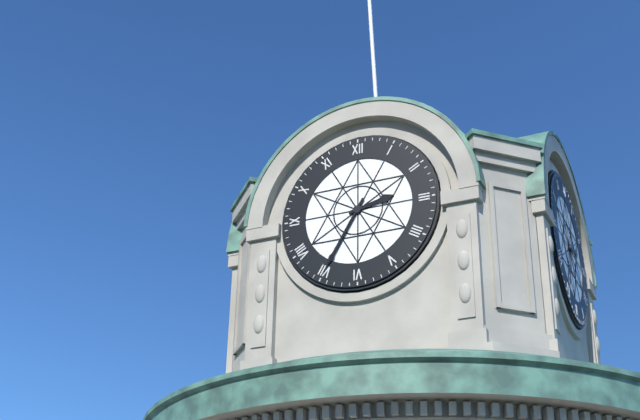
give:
2.35
